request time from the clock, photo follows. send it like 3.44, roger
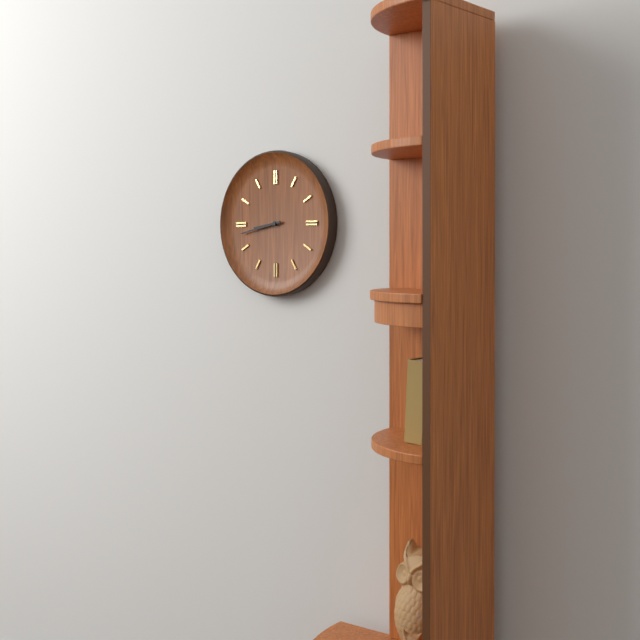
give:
8.43
